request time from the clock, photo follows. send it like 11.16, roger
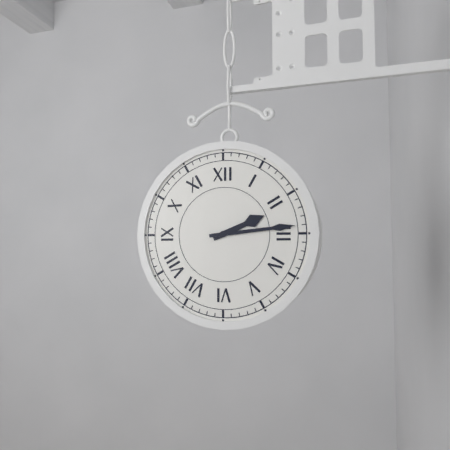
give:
2.14
